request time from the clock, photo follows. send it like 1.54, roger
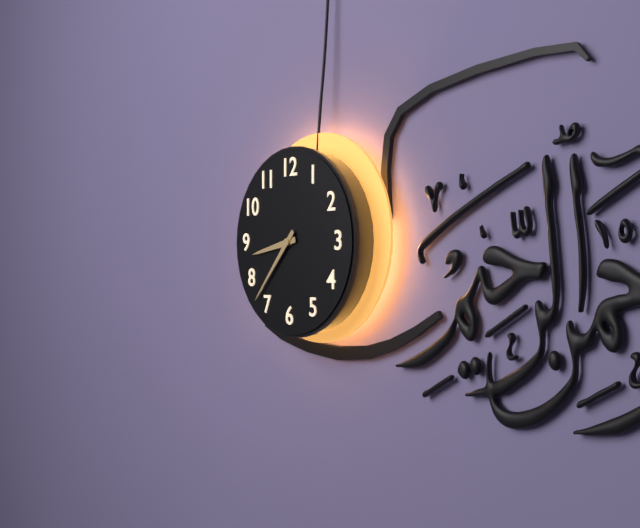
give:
8.37
